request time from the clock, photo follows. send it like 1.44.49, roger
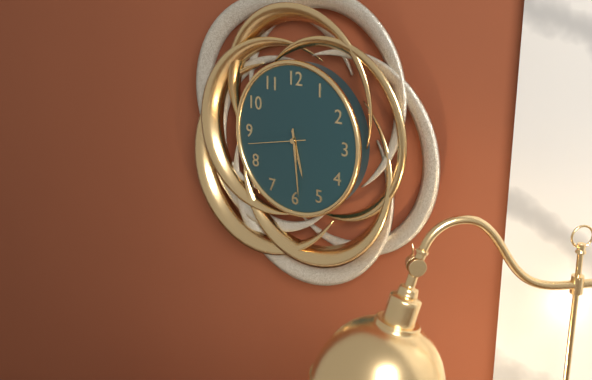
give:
5.29.43
